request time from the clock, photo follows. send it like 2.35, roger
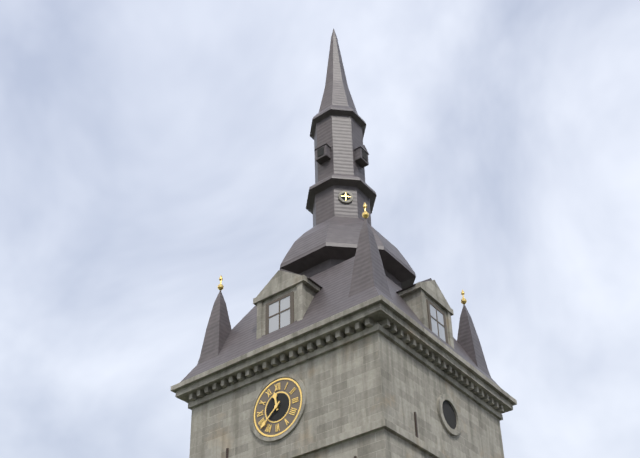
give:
11.38
